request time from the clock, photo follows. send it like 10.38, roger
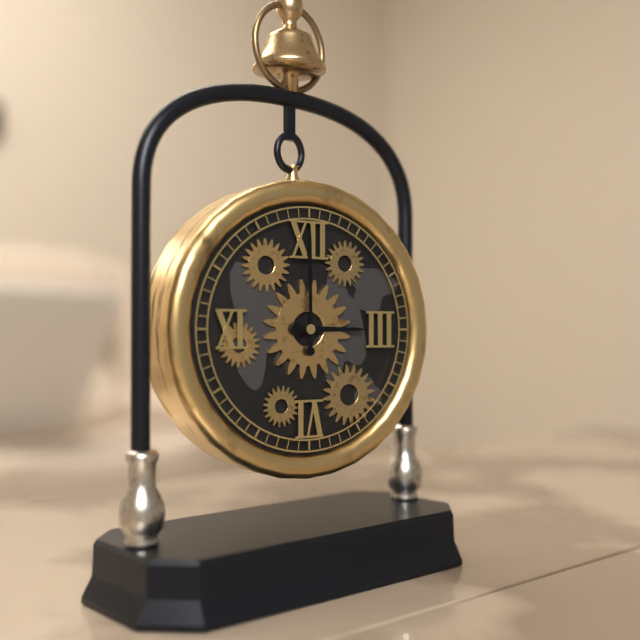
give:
3.00
